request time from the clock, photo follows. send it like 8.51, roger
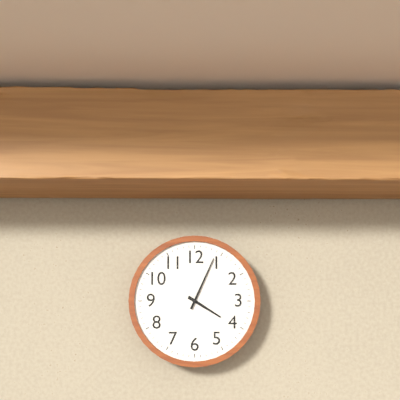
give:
4.04
